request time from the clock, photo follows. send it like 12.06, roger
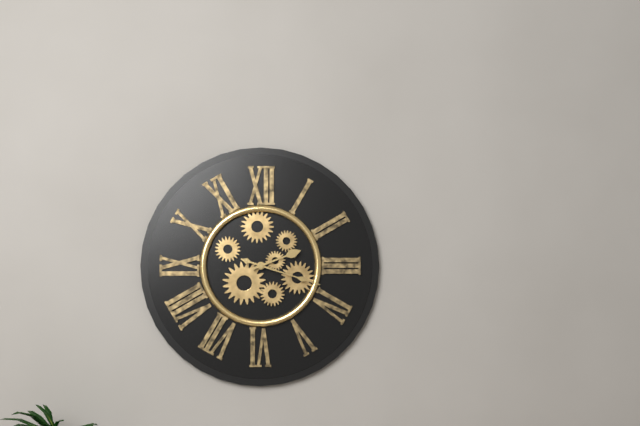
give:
2.18
